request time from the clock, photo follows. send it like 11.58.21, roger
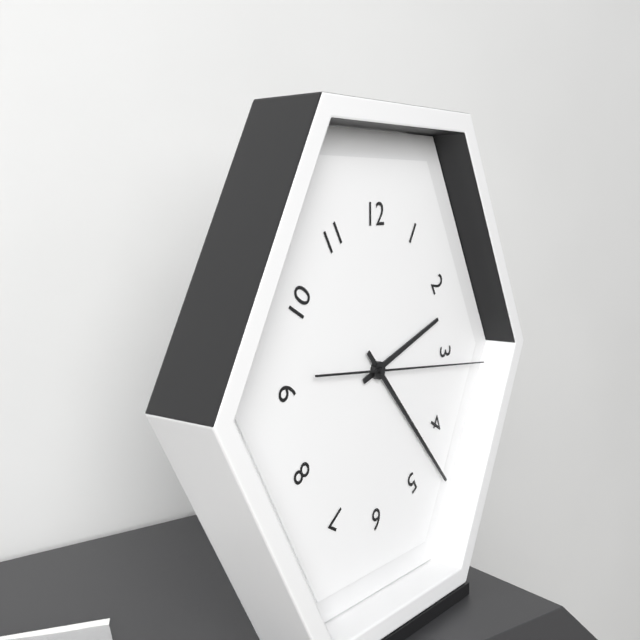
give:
2.23.16
